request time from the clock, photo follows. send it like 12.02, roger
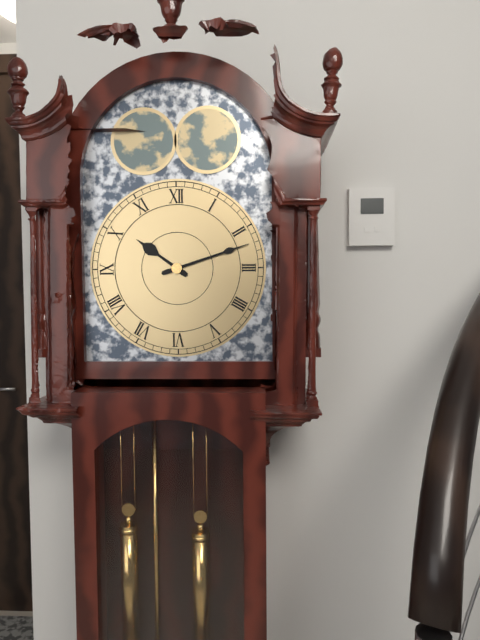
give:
10.12
